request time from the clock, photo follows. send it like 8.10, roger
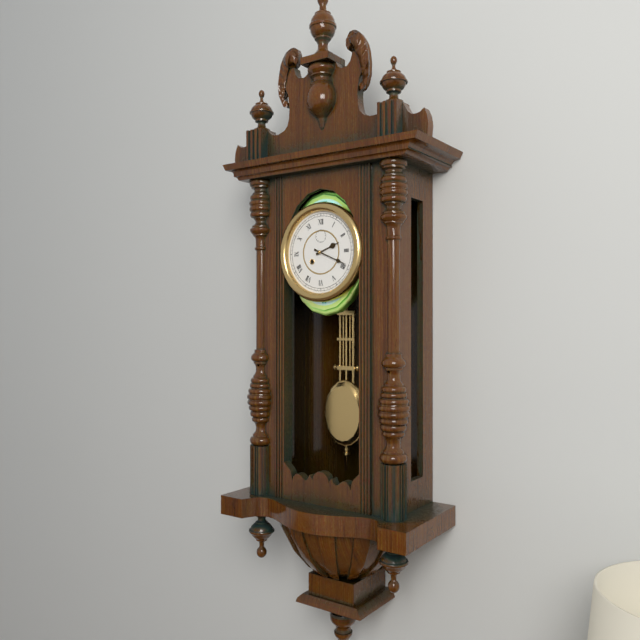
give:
2.19
